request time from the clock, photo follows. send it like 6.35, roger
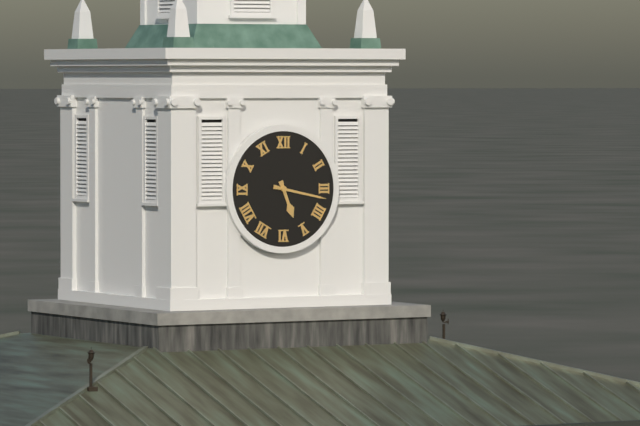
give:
5.17
